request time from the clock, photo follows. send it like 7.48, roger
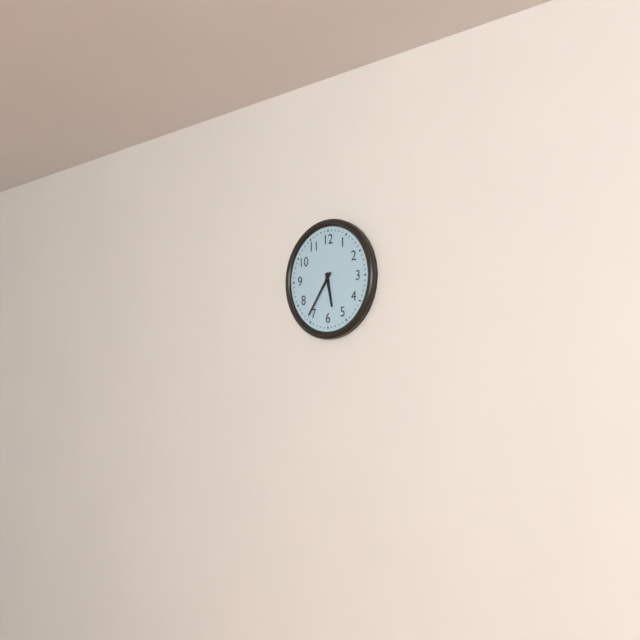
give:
5.36
